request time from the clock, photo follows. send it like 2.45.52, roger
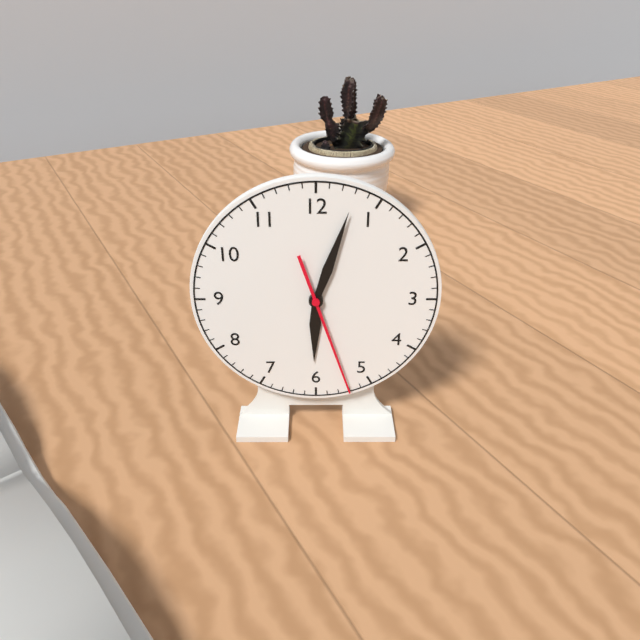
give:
6.03.27
